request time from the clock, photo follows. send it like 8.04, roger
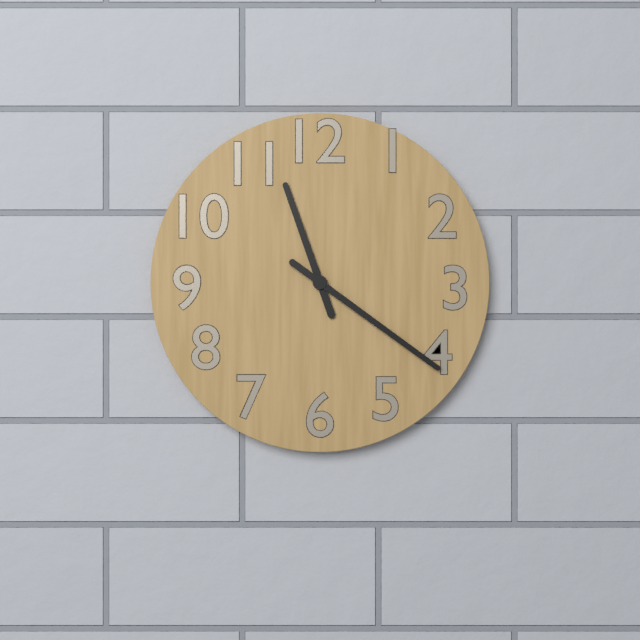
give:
11.21
